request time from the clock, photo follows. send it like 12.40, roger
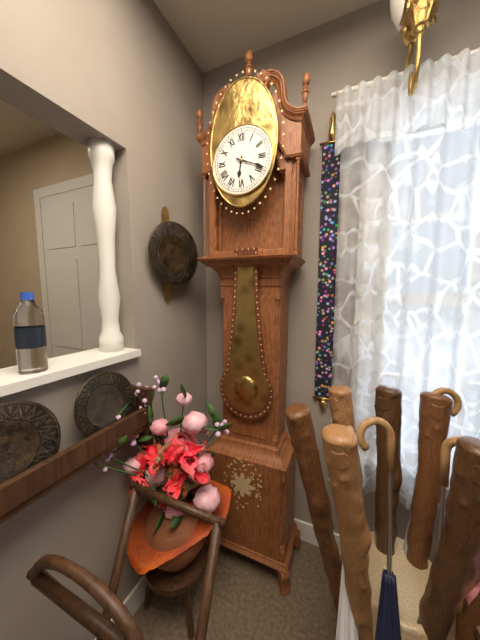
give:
6.19
